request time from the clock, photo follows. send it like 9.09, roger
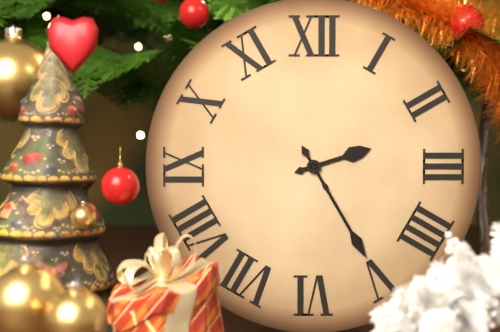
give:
2.25
